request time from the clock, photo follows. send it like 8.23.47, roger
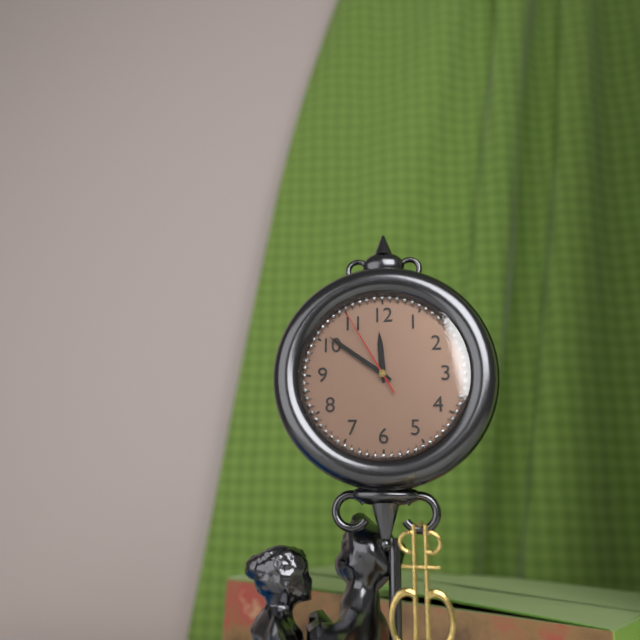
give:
11.51.55
